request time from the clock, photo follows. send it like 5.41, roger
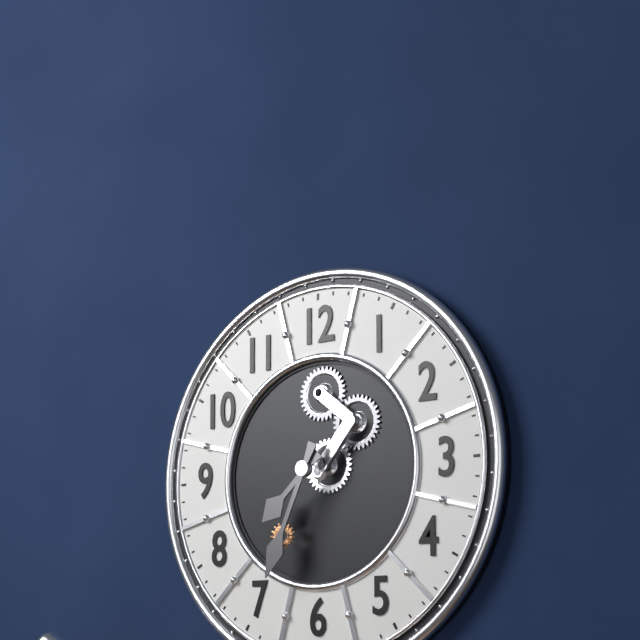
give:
7.34
